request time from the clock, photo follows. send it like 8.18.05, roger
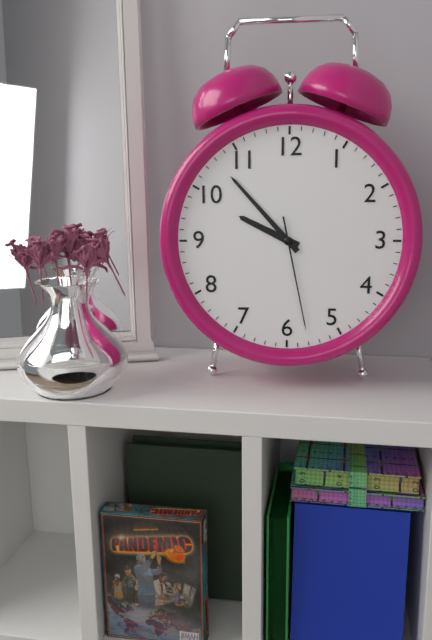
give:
9.53.28
